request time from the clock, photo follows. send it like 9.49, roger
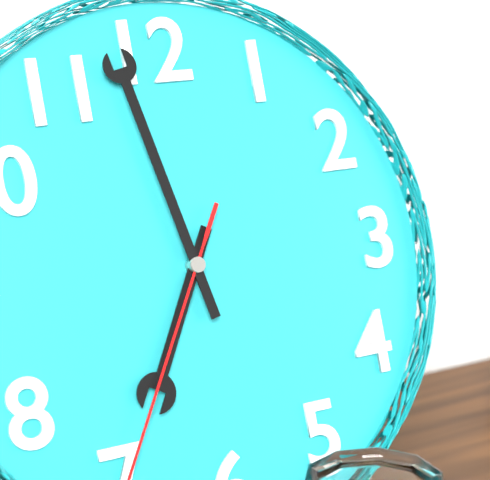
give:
6.58
